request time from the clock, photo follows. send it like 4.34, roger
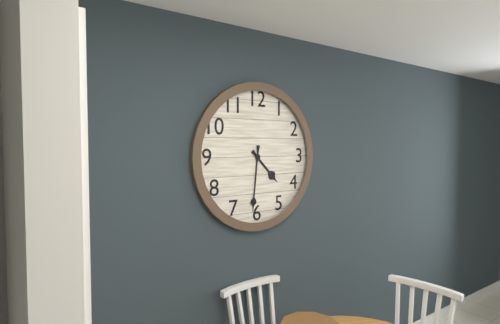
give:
4.31
